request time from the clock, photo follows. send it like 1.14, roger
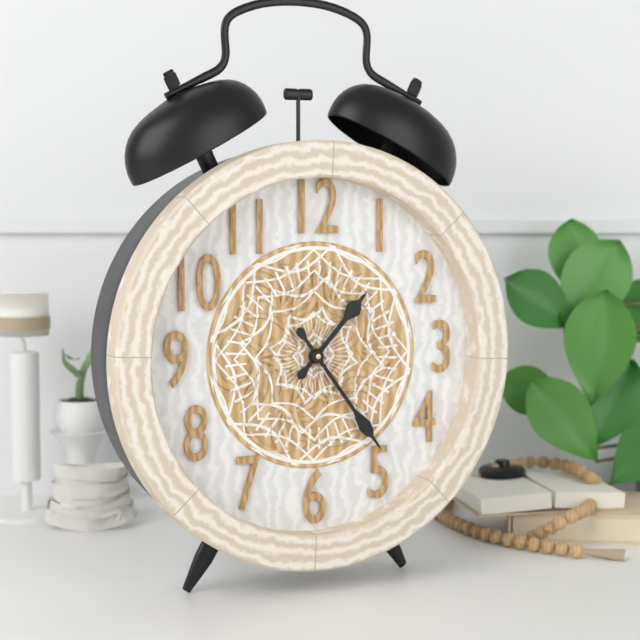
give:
1.24
